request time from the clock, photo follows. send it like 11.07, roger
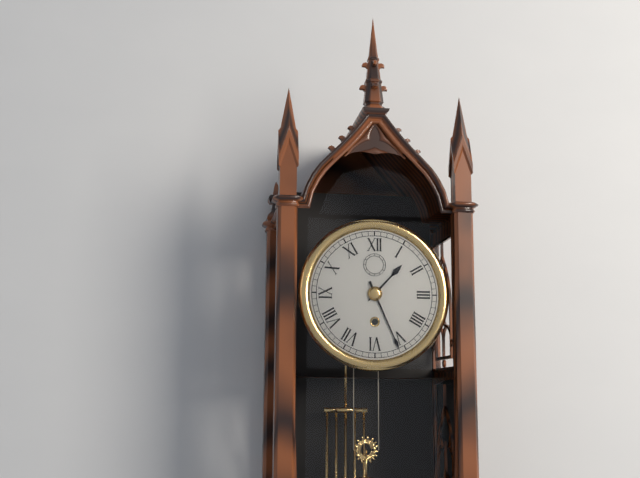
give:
1.26
